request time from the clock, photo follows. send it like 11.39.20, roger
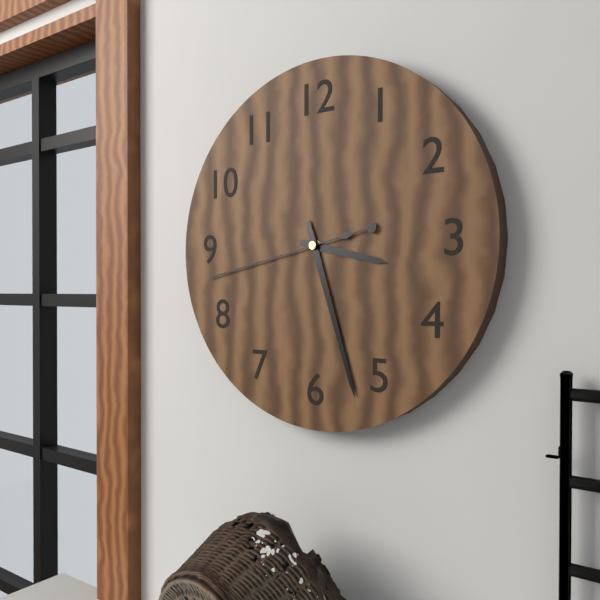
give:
3.27.43
